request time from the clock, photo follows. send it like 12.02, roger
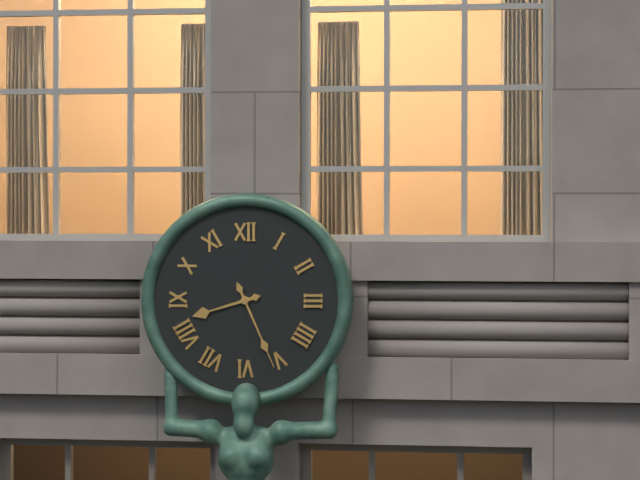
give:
8.26
